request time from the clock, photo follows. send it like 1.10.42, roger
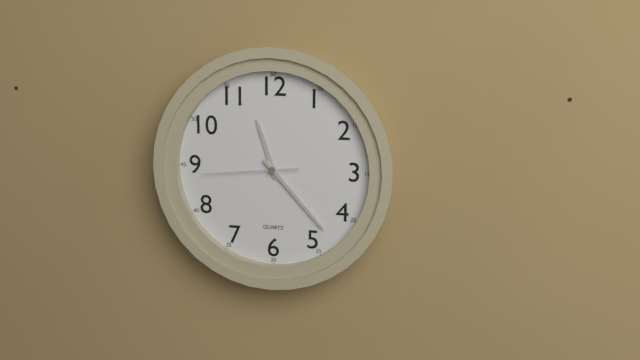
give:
11.23.44
